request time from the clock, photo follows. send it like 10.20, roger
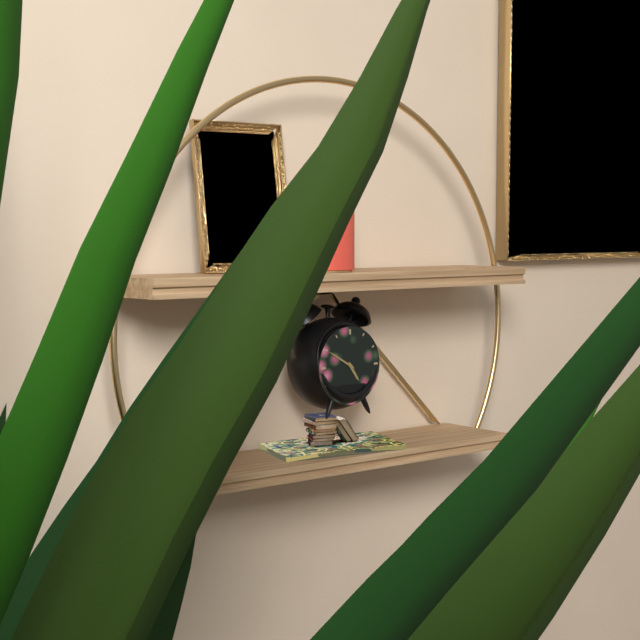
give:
4.50
